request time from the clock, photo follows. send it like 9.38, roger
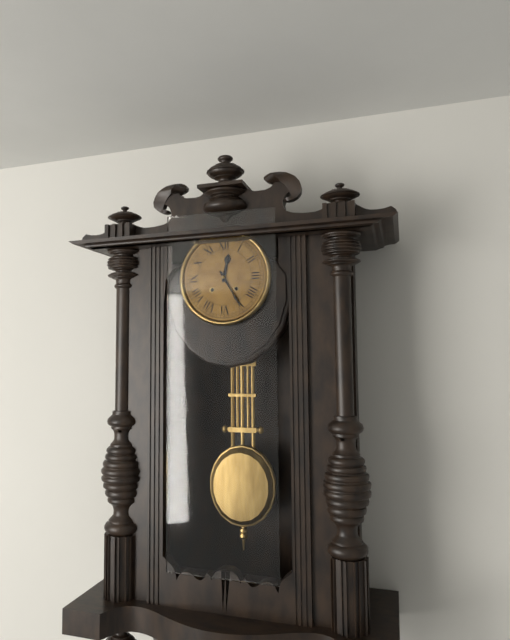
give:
12.25
